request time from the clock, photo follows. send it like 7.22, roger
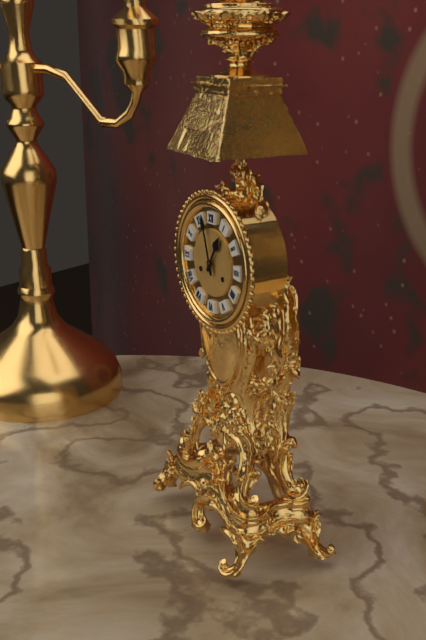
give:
12.57
